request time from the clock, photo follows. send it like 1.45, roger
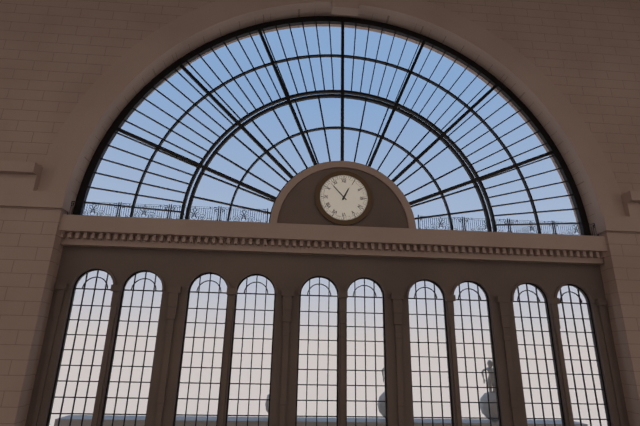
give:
12.53
